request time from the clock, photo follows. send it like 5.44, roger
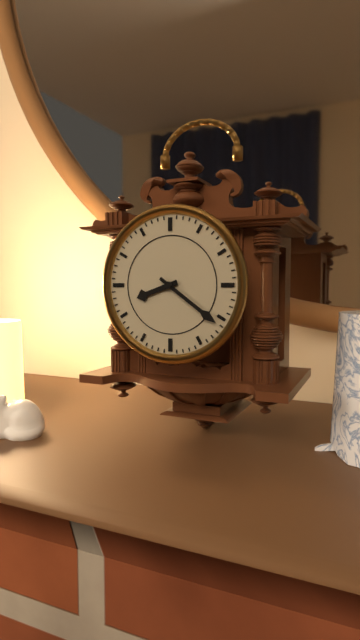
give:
8.21
